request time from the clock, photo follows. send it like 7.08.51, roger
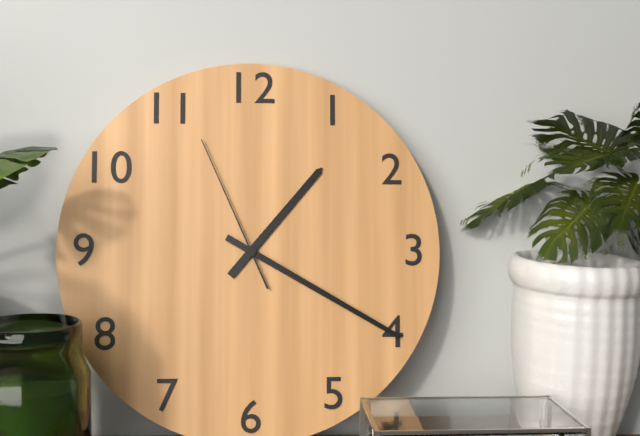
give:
1.20.56
